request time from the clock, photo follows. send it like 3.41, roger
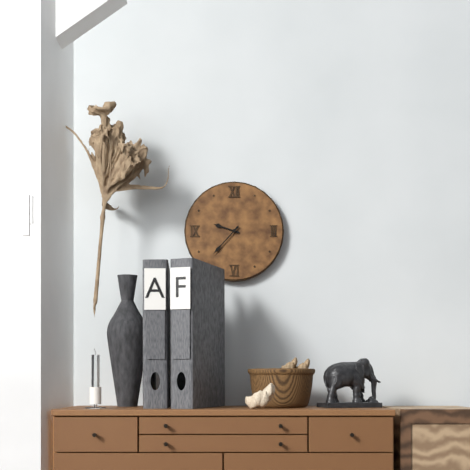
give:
9.37
